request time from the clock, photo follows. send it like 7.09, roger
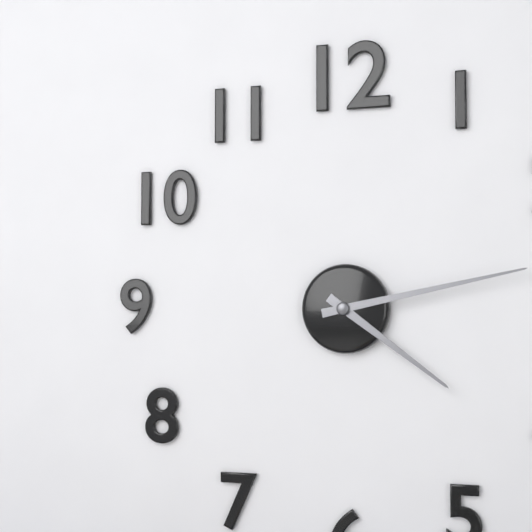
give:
4.13
